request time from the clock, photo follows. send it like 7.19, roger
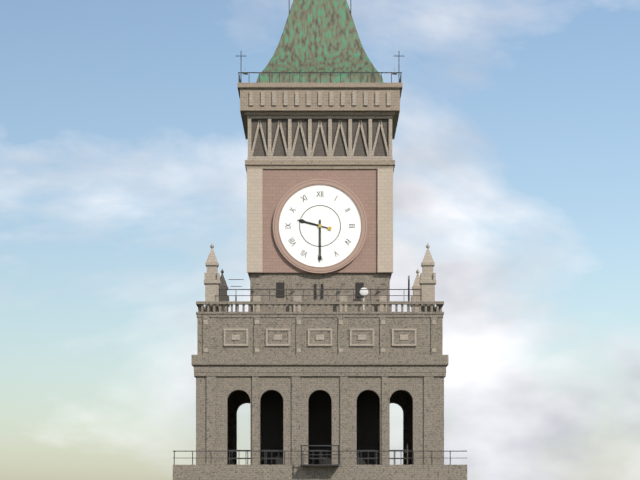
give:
9.30
